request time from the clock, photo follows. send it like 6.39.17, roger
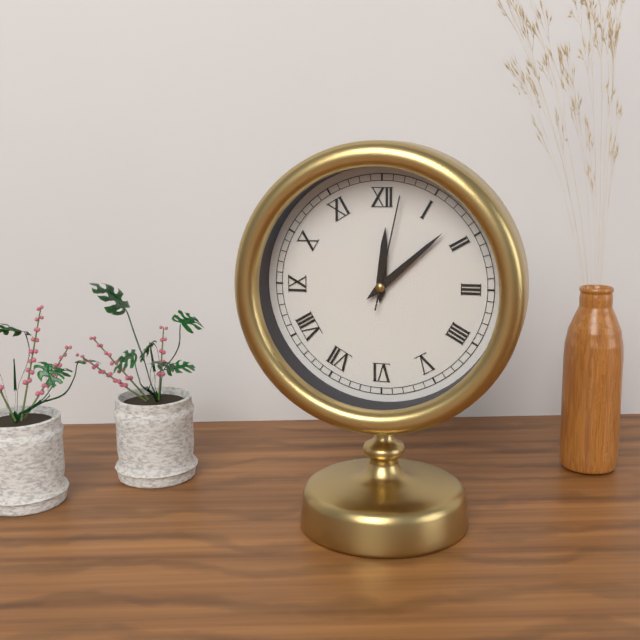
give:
12.08.02
